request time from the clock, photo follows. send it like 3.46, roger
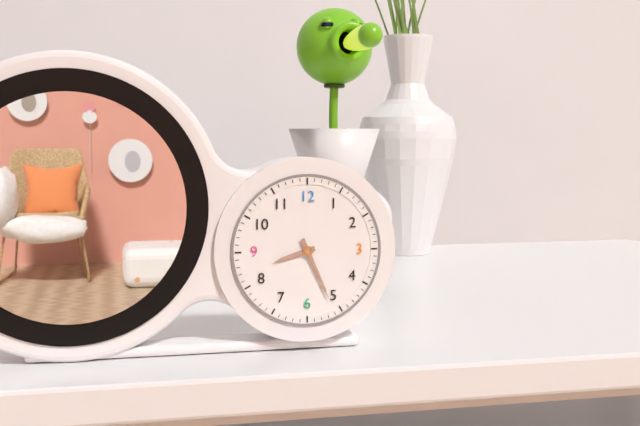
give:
8.26
